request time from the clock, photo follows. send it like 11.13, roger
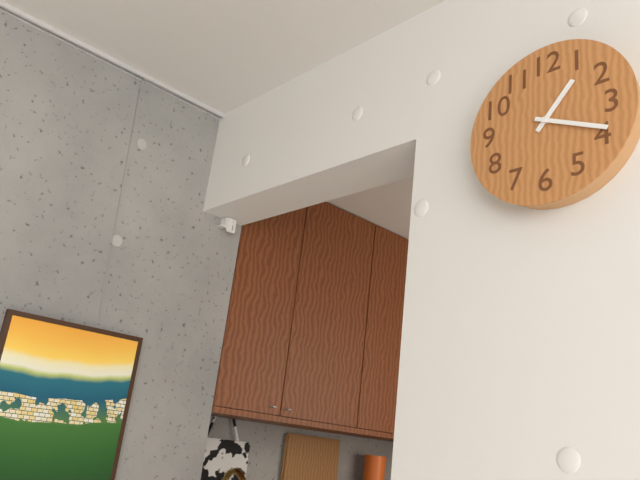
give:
1.19
